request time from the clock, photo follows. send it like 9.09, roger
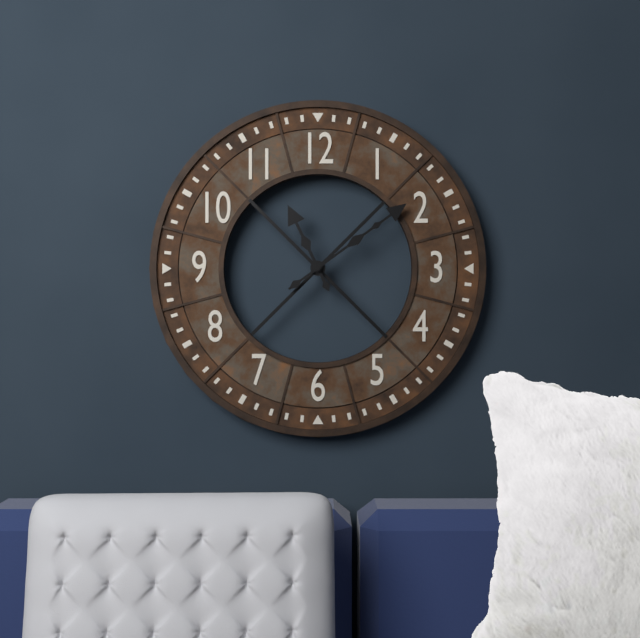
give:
11.09
